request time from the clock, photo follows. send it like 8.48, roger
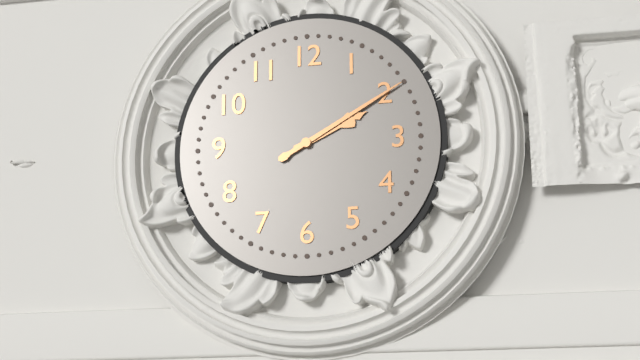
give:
2.10
